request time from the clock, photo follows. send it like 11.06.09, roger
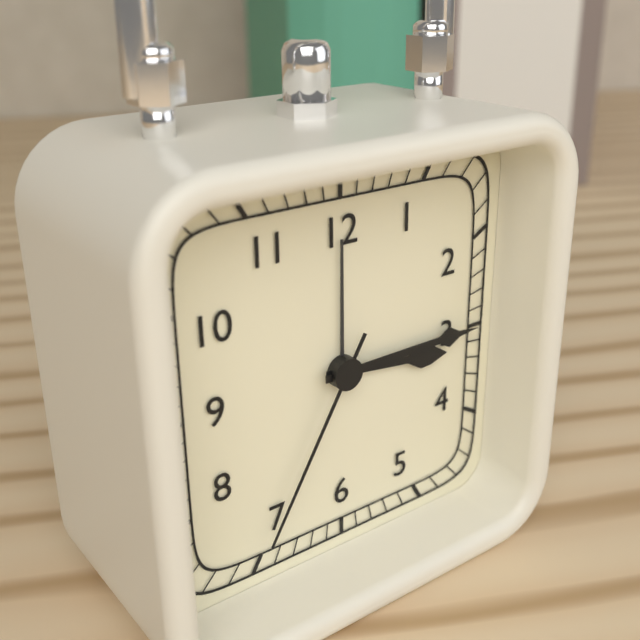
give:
3.15.35
